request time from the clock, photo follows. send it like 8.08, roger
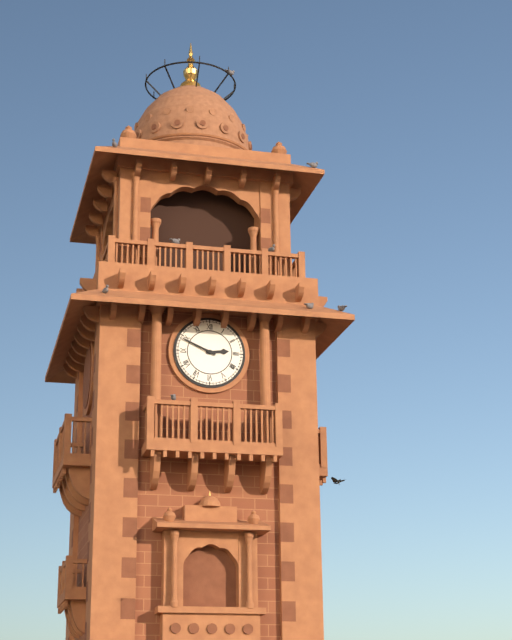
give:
2.49
